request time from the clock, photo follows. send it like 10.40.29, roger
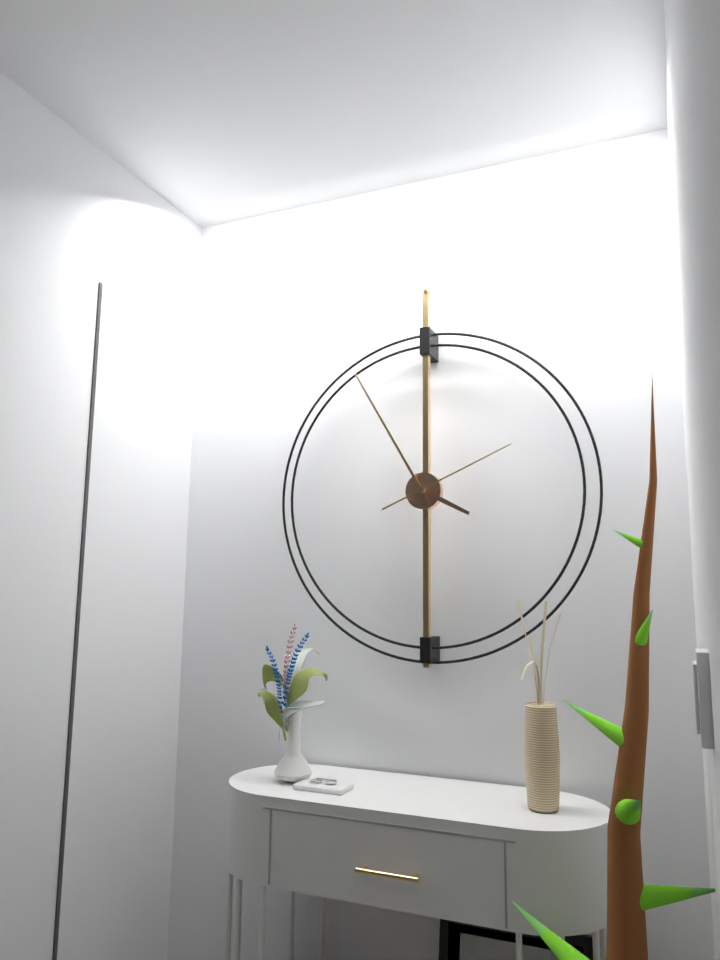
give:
3.55.11
